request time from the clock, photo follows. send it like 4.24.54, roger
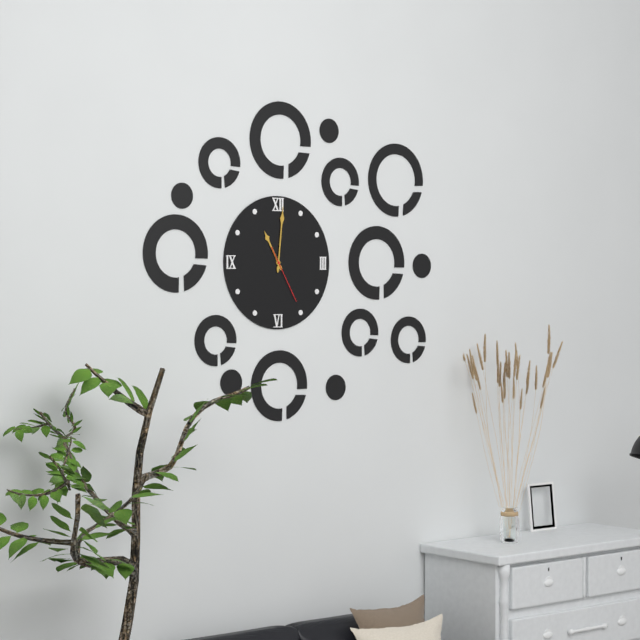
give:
11.01.25
